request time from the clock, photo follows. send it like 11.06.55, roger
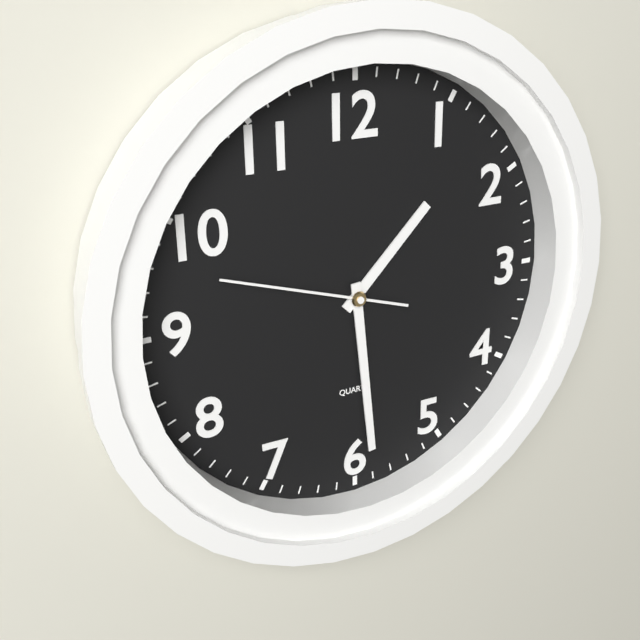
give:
1.29.48
